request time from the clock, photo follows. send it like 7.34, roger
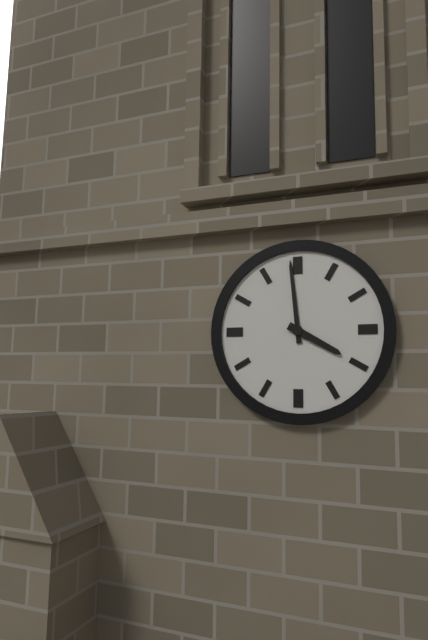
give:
3.59
